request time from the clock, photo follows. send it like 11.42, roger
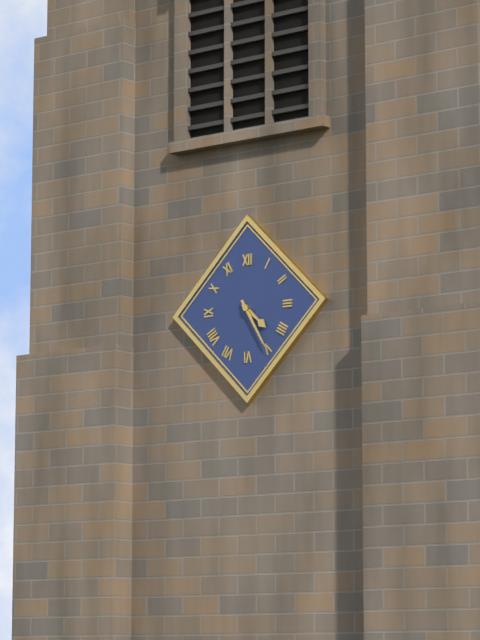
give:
4.25
